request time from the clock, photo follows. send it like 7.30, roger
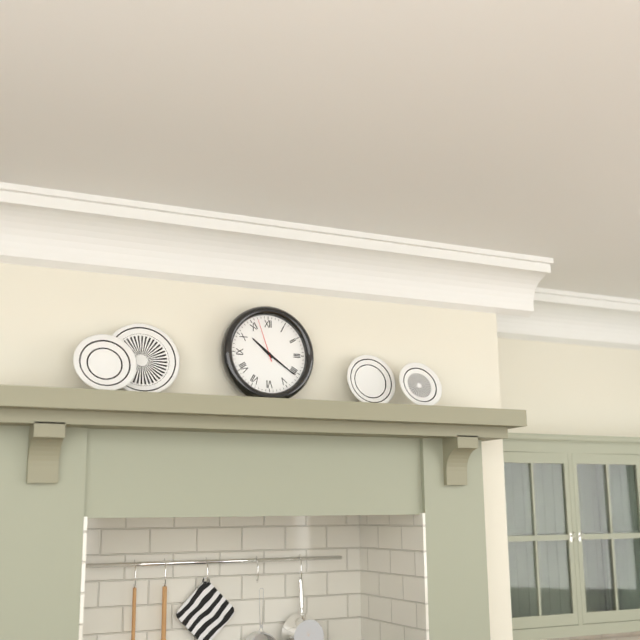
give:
10.21
